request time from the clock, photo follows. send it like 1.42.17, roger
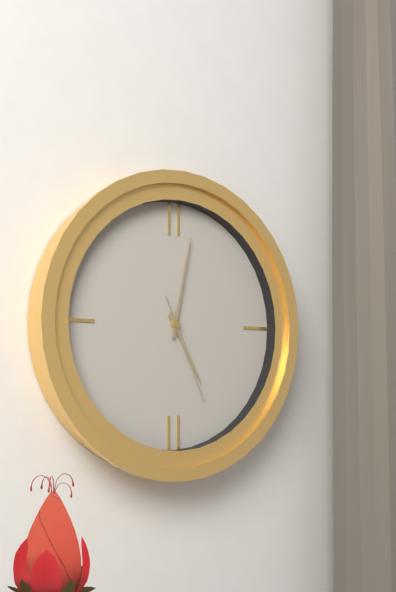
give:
5.02.26
